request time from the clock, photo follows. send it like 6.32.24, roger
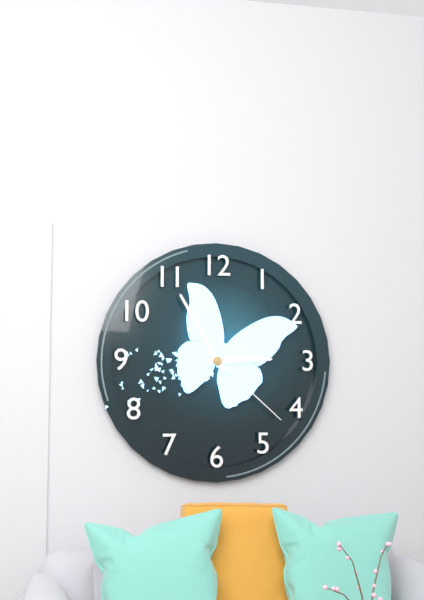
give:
2.55.22
